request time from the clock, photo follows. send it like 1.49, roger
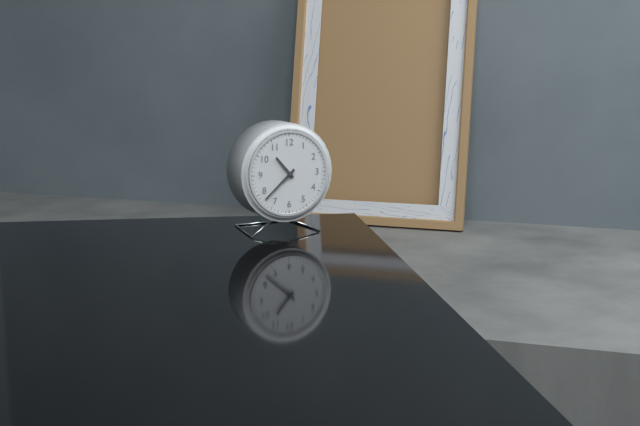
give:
10.38
